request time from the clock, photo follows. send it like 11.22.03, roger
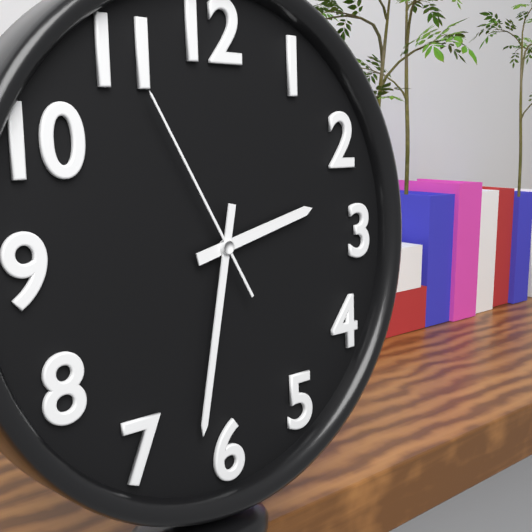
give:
2.32.55
